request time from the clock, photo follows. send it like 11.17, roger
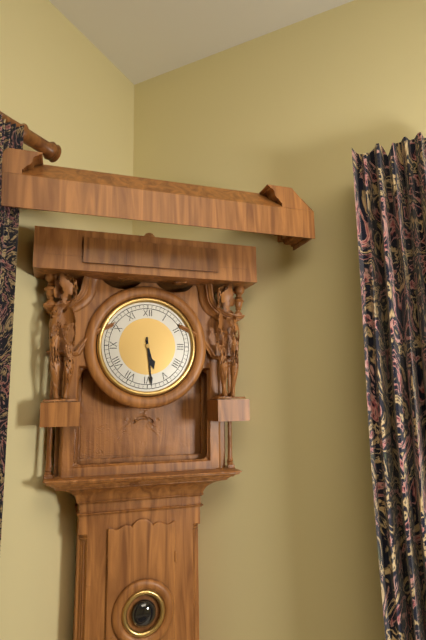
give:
5.29
